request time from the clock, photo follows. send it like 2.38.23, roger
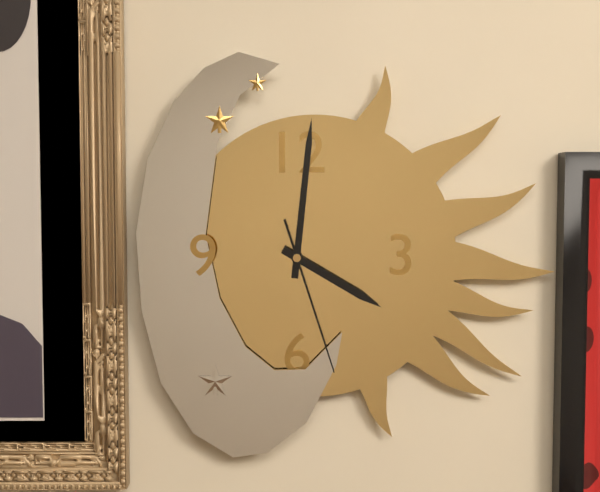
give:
4.01.27
